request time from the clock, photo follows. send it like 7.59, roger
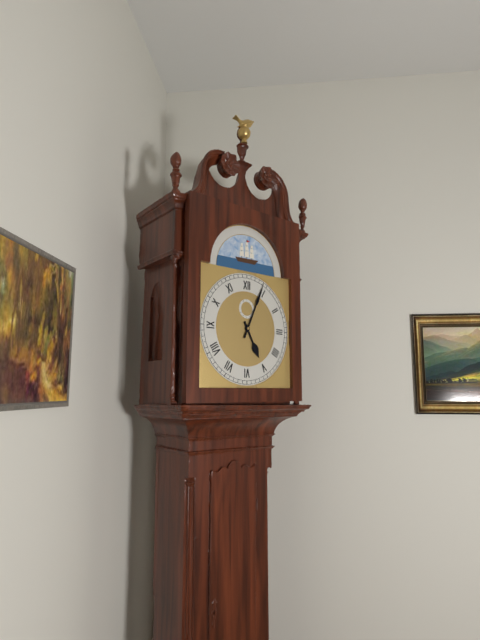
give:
5.04
